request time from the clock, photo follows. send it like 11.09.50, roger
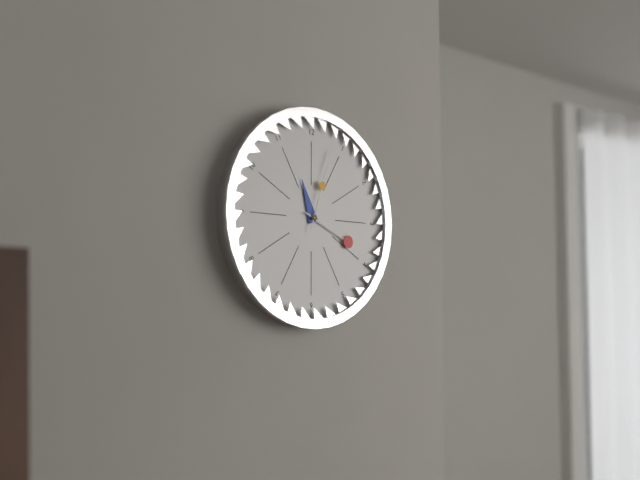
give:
11.19.03
